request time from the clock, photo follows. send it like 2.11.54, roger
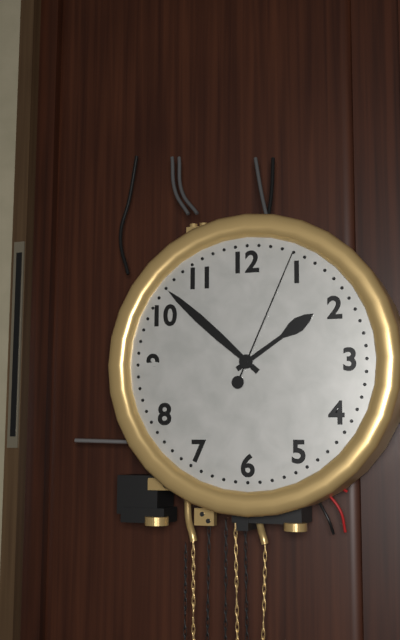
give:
1.52.04
